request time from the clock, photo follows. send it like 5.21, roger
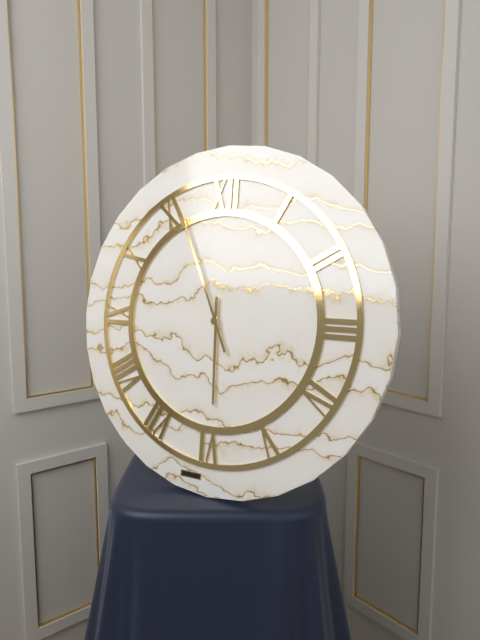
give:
5.56
